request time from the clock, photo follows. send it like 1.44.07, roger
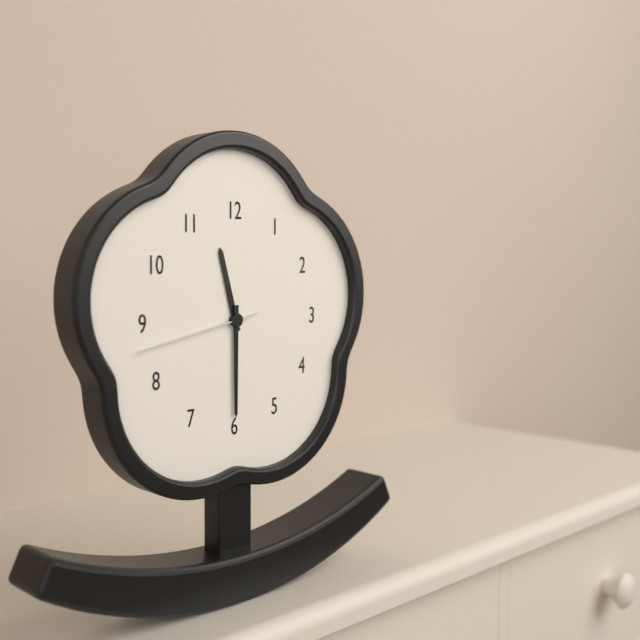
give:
11.30.43
